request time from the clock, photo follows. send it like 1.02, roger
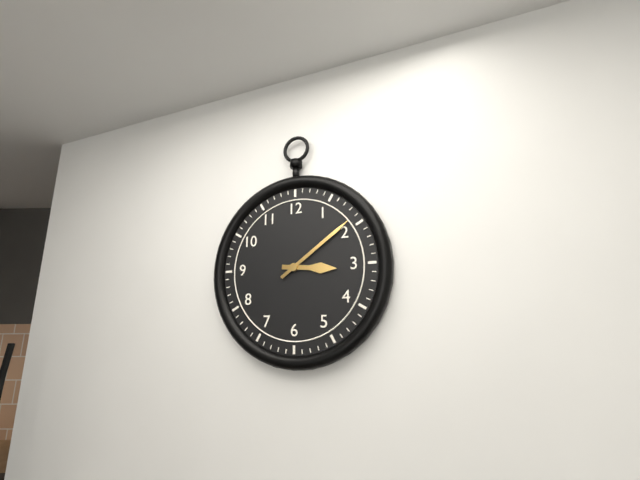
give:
3.09
